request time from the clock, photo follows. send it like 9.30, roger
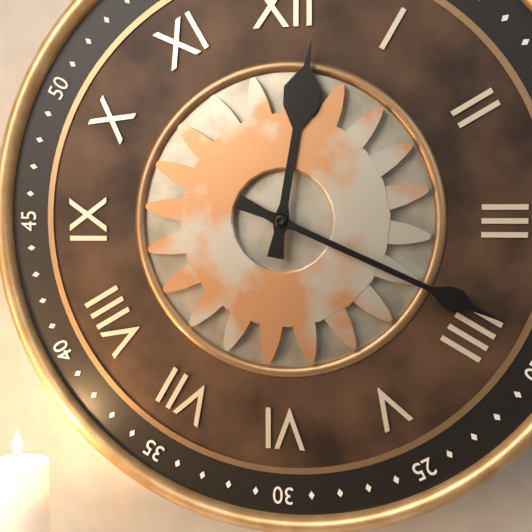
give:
12.19
